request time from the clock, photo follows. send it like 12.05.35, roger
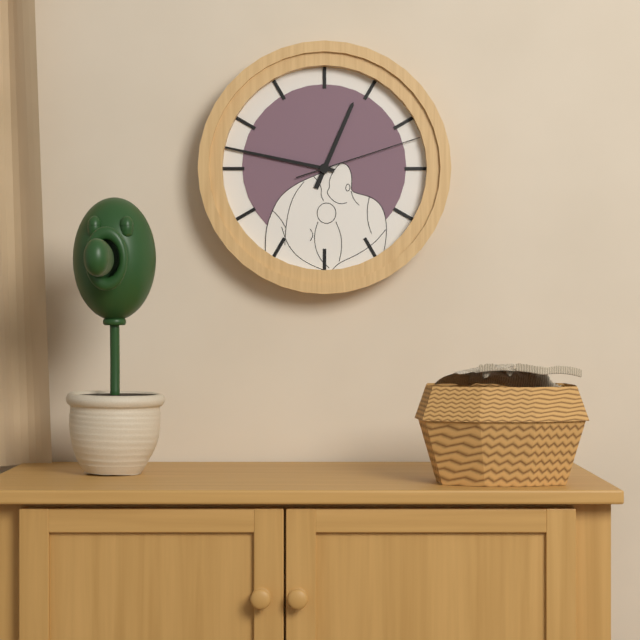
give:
12.47.12
